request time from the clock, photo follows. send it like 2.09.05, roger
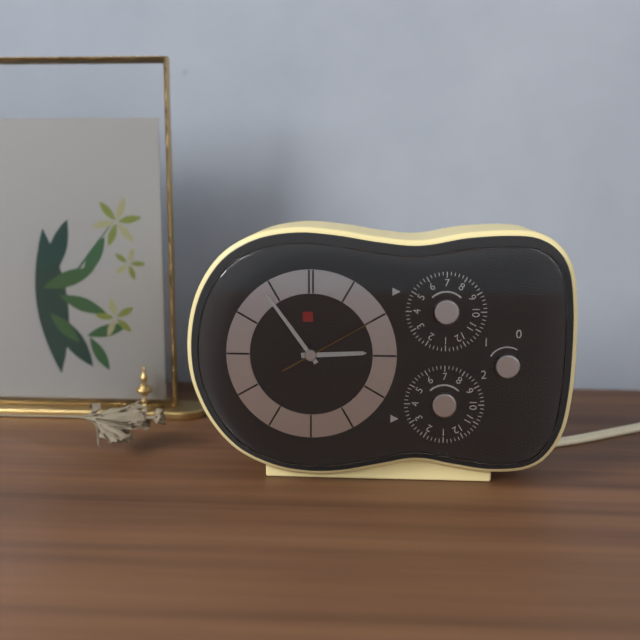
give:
2.54.10
